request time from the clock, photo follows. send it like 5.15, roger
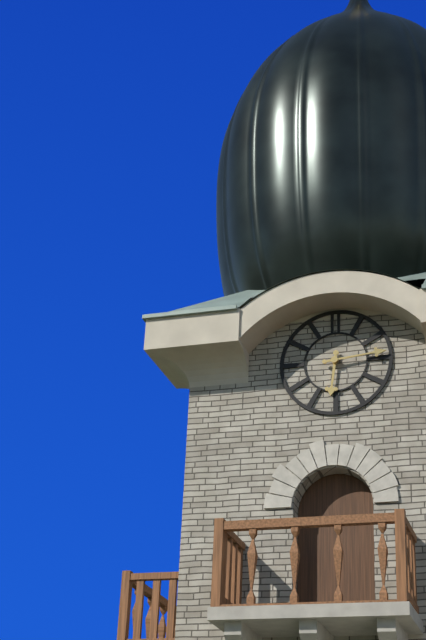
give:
6.14
